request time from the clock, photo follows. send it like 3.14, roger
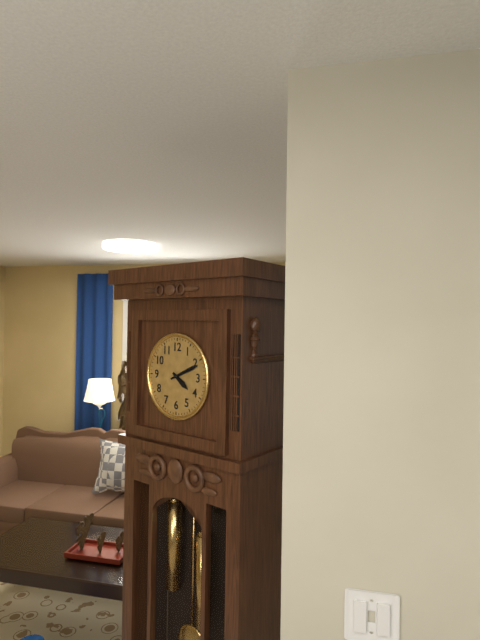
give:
4.11
